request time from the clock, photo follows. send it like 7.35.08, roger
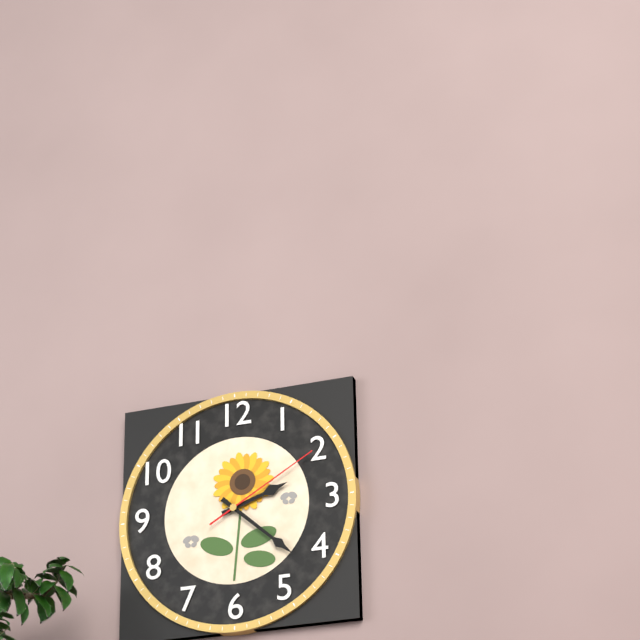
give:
2.22.10
